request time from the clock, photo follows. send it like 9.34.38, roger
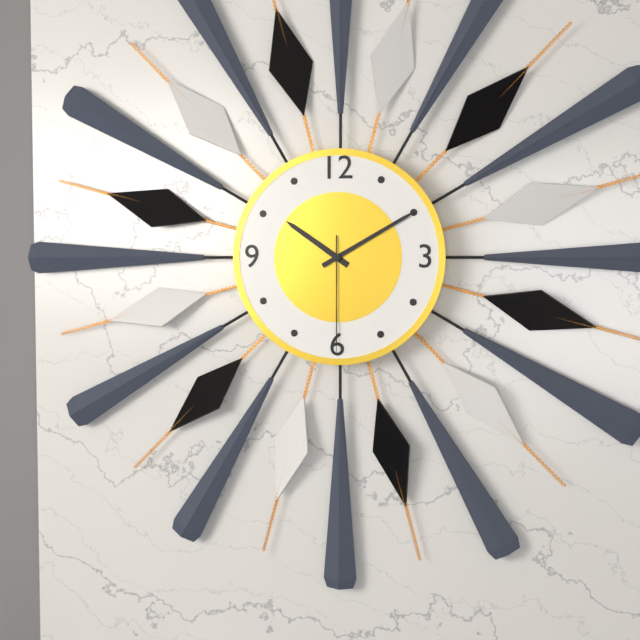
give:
10.10.30
